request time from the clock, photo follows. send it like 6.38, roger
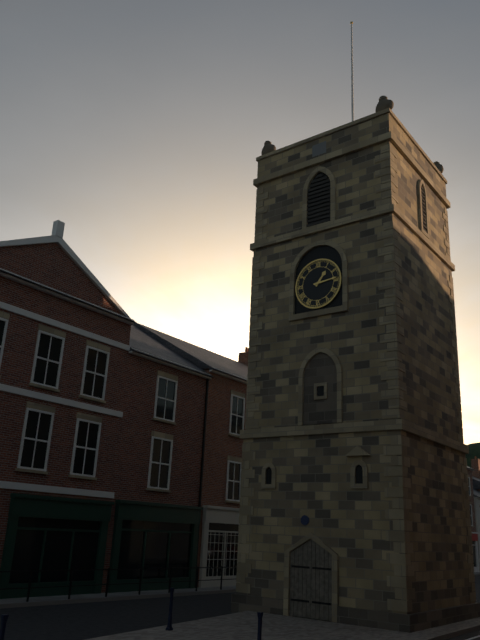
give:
1.14
